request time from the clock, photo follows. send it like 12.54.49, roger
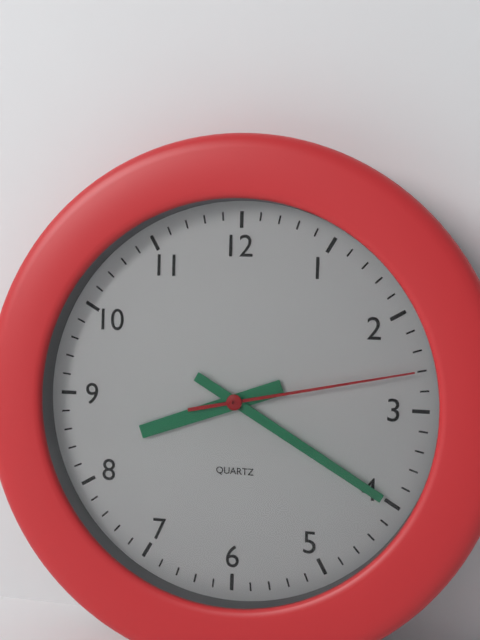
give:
8.20.13
